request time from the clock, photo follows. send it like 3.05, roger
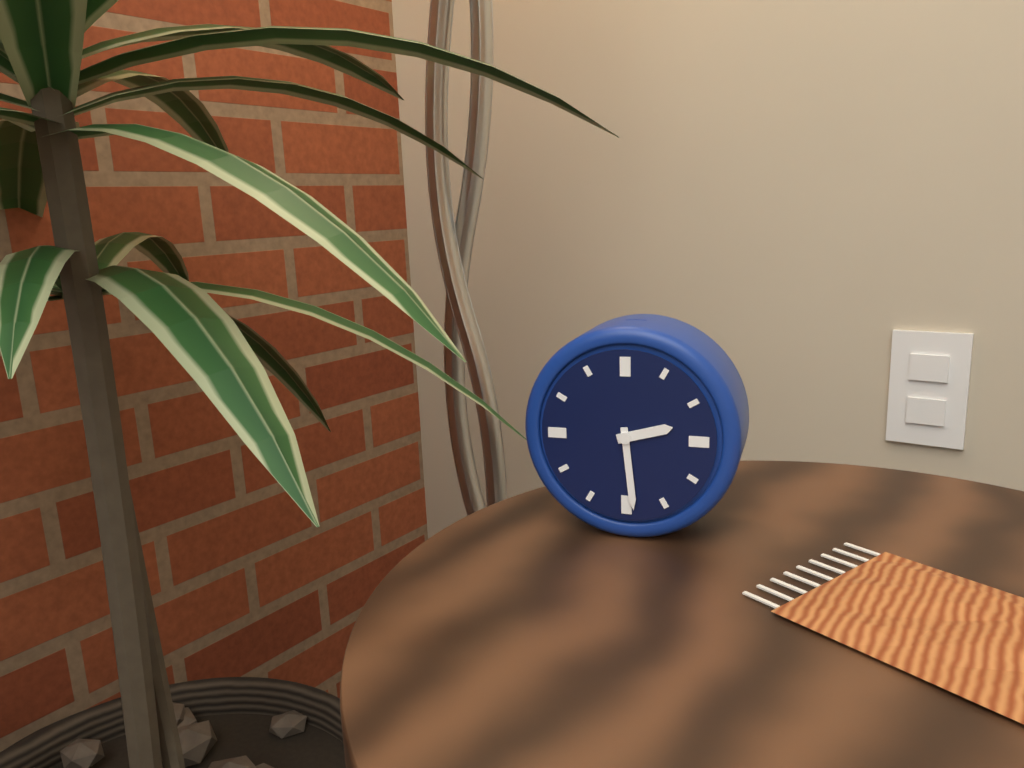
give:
2.29
